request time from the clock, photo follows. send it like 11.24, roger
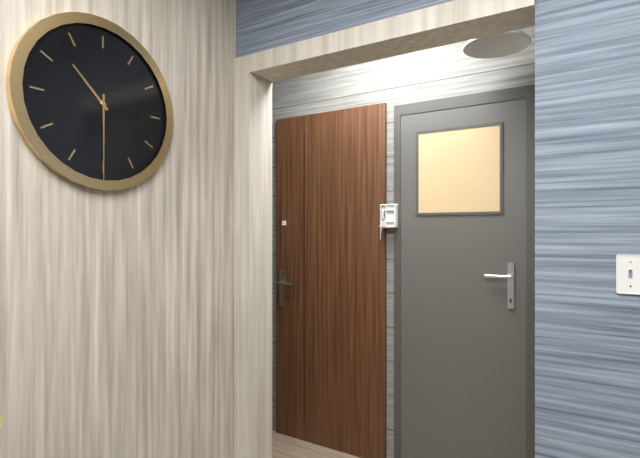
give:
10.30
